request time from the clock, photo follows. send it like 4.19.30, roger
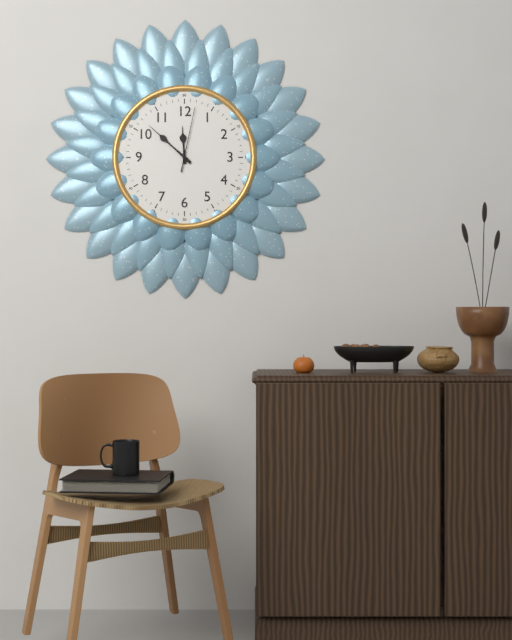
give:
11.52.02
